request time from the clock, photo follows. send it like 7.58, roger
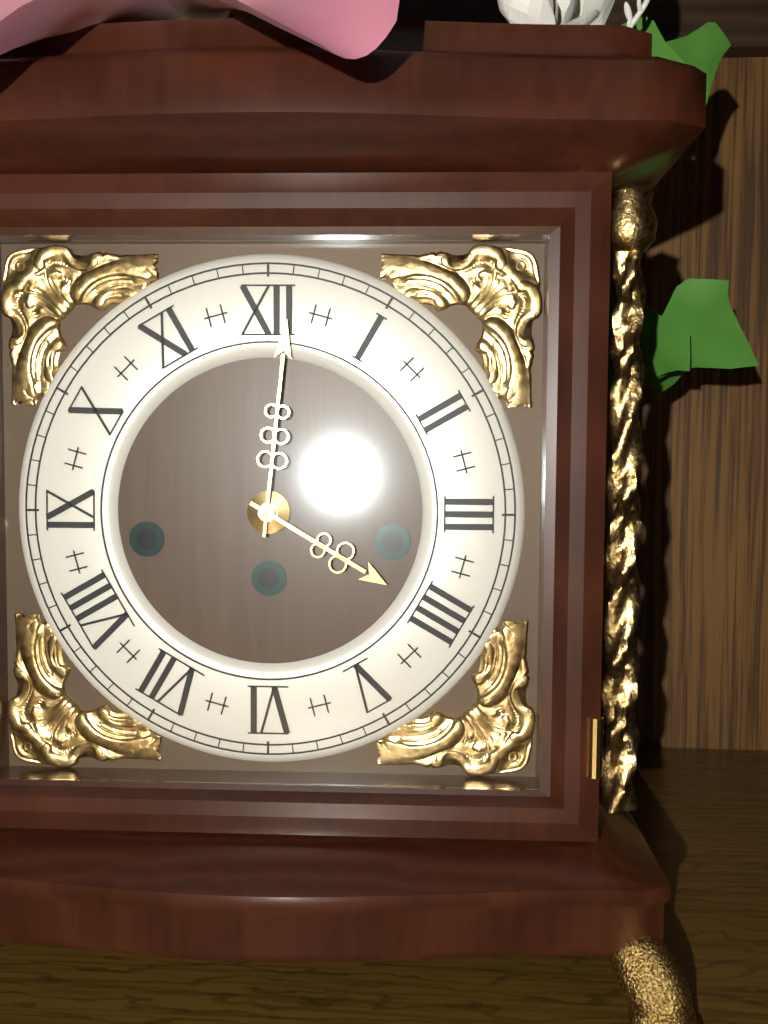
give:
4.01
